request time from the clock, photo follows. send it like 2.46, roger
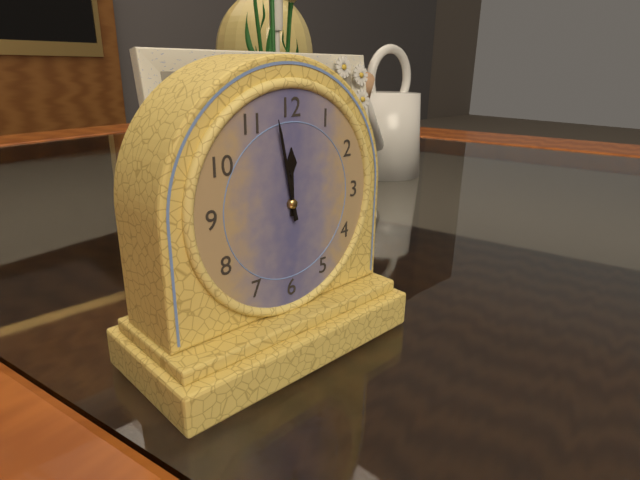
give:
11.58
